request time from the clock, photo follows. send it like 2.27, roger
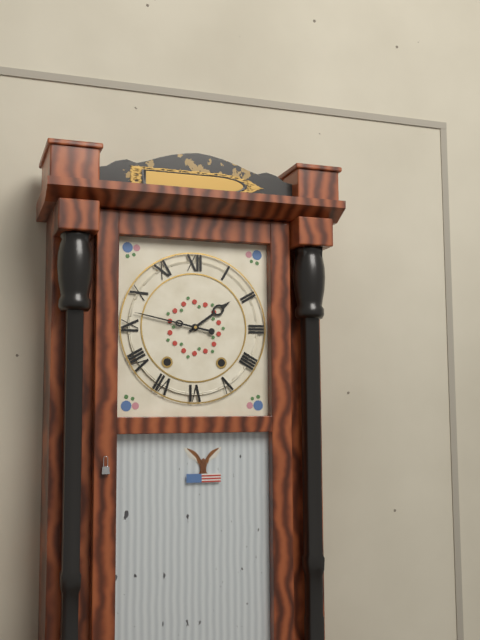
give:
1.47
